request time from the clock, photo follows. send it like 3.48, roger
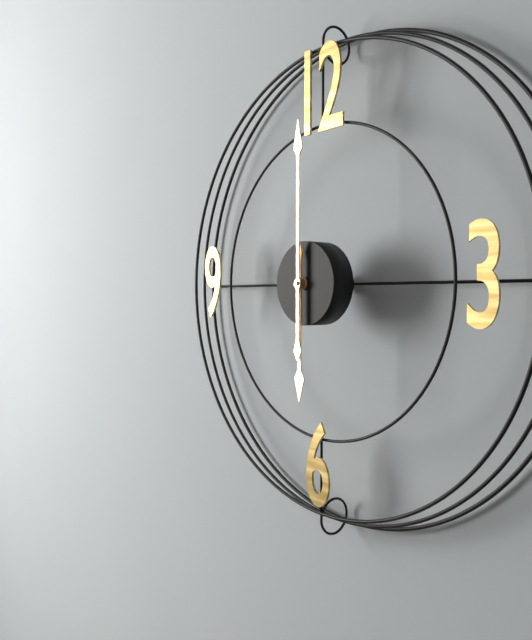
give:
6.00
